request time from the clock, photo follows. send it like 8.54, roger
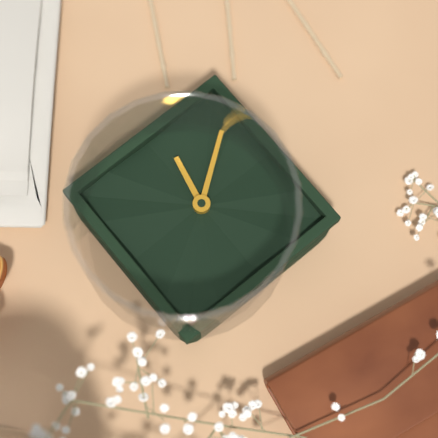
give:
3.24
